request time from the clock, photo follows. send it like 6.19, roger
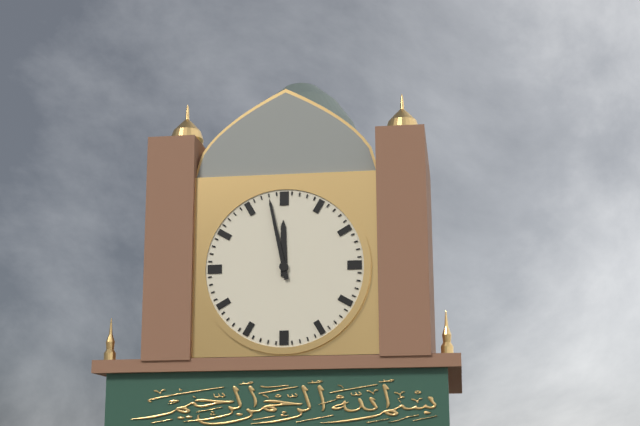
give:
11.58
